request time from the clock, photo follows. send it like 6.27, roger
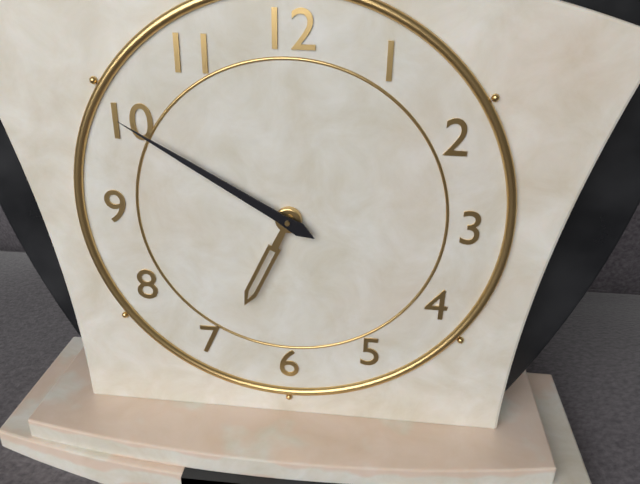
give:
6.50
